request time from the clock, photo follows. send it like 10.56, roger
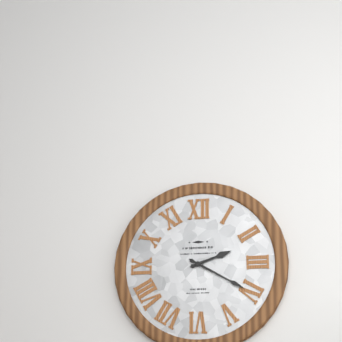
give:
2.20
